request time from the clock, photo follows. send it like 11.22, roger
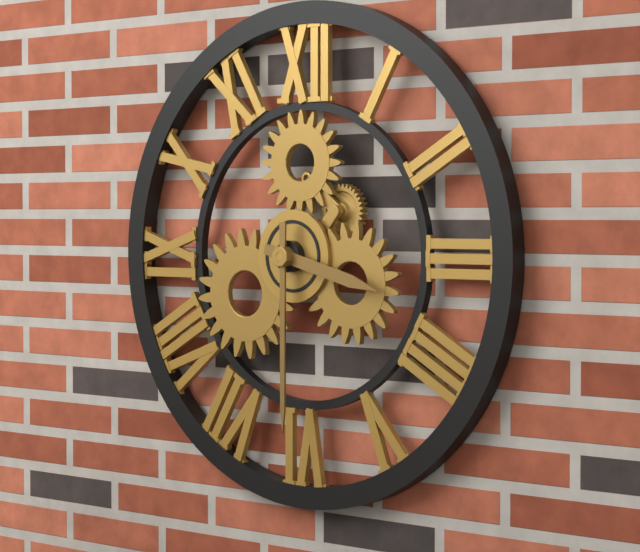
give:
3.30
